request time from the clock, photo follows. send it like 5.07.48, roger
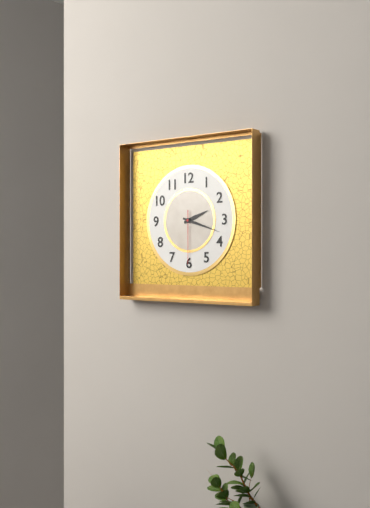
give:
2.18.30
